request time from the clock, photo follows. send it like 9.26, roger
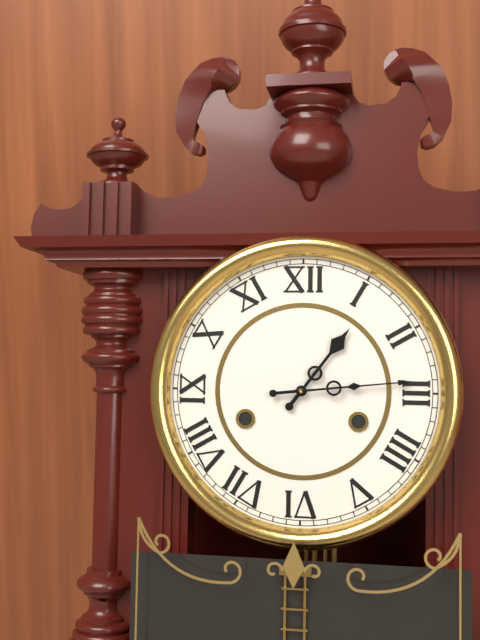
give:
1.14
